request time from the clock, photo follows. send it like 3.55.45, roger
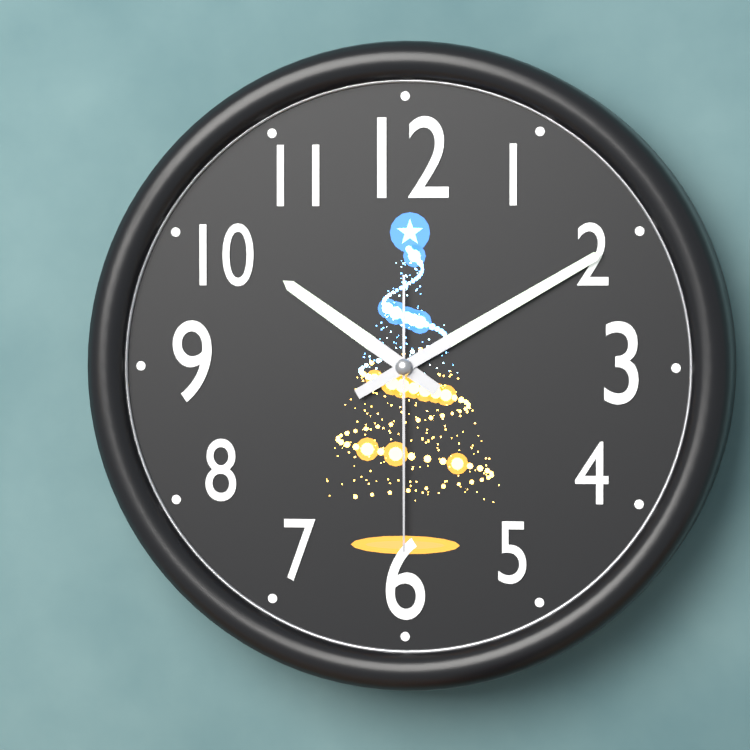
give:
10.10.30
